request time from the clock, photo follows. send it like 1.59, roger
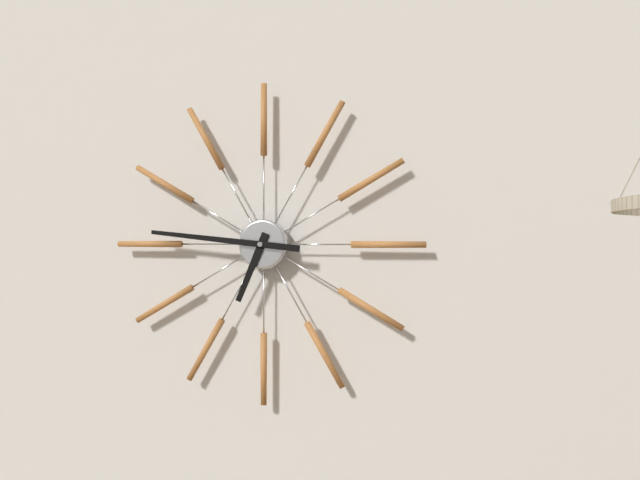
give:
6.46
